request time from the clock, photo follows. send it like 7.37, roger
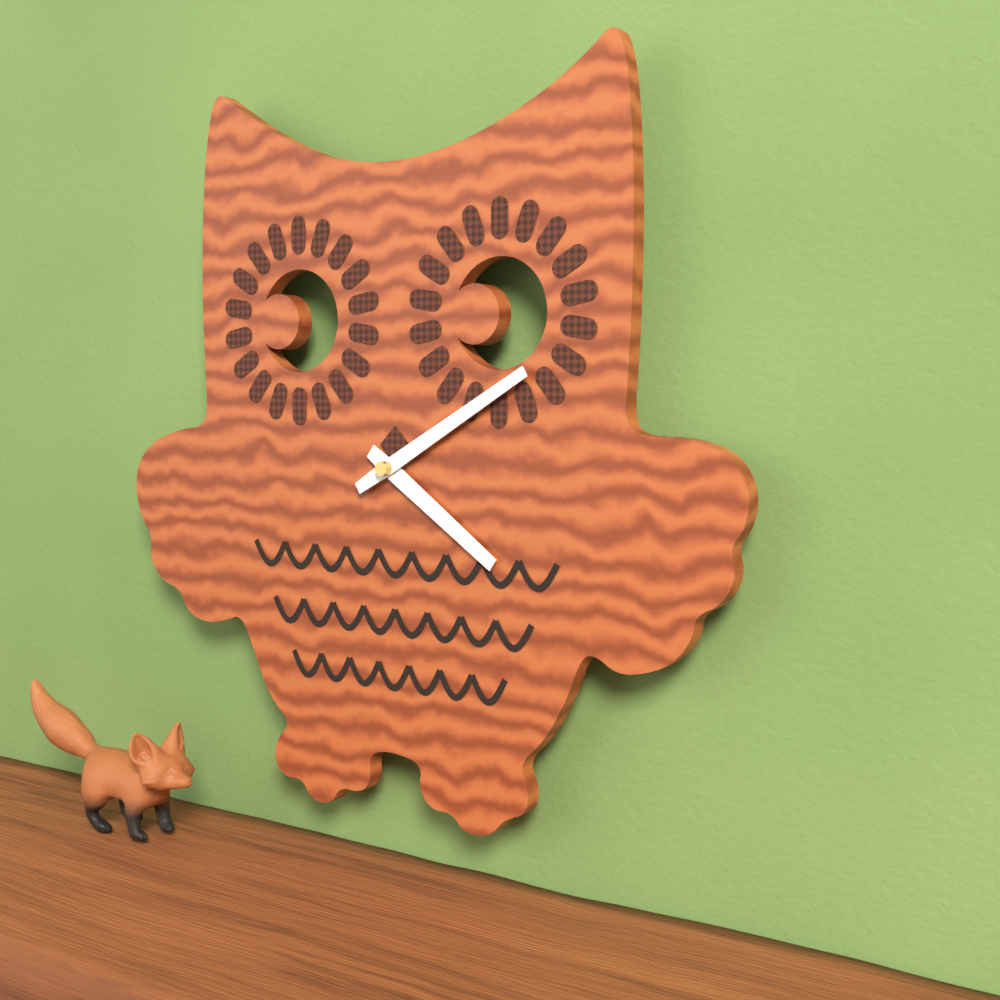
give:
4.10
